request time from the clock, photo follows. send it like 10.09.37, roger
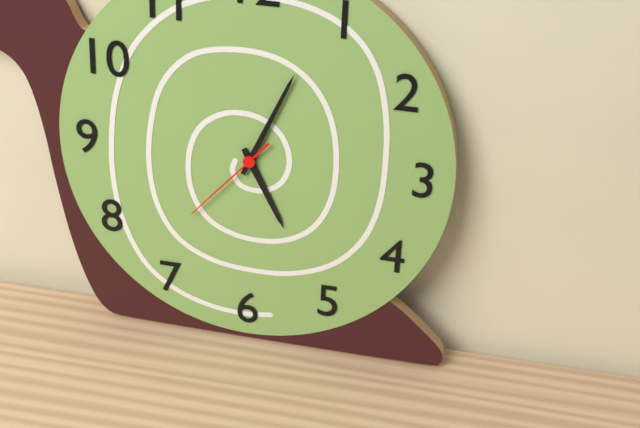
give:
5.04.37
